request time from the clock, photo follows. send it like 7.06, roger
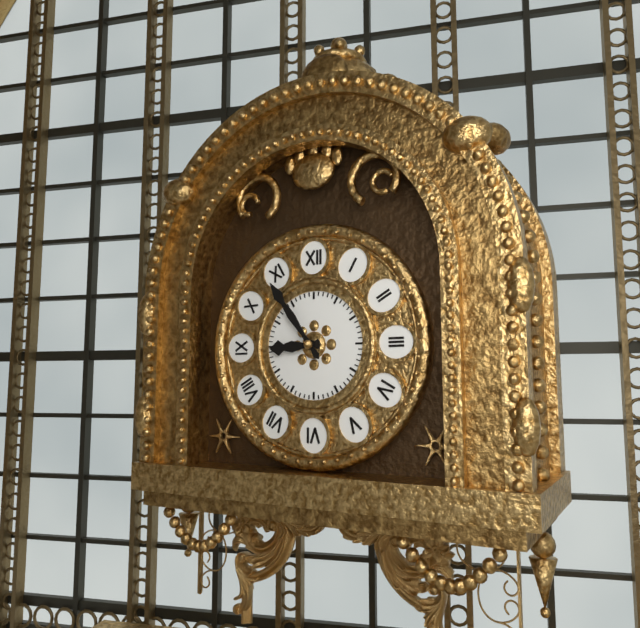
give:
8.54
